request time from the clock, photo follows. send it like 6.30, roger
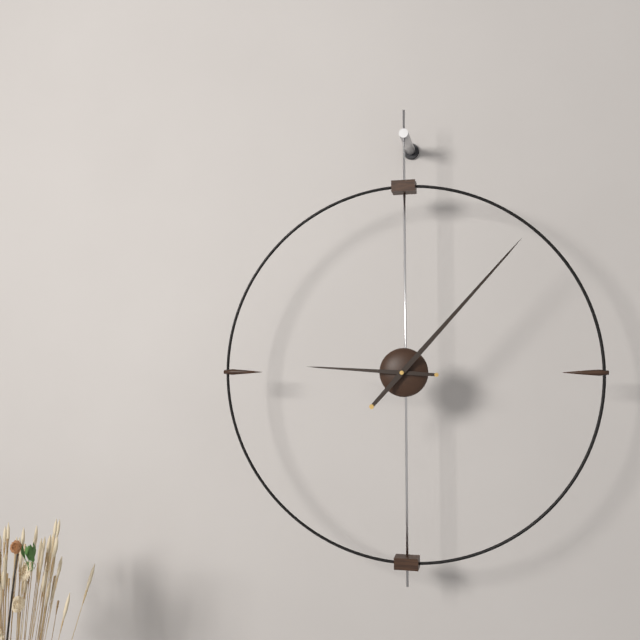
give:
9.07
